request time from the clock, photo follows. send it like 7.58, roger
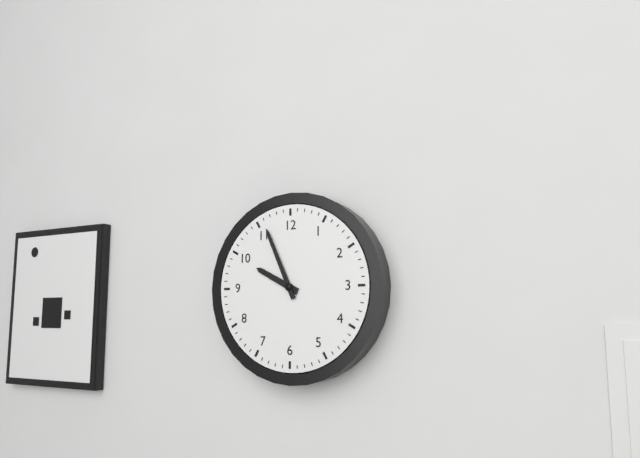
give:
9.56
